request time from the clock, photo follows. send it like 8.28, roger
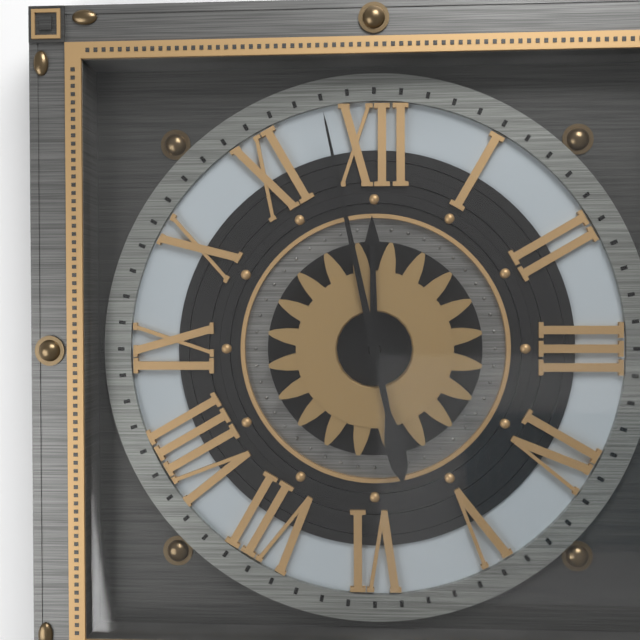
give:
11.58
